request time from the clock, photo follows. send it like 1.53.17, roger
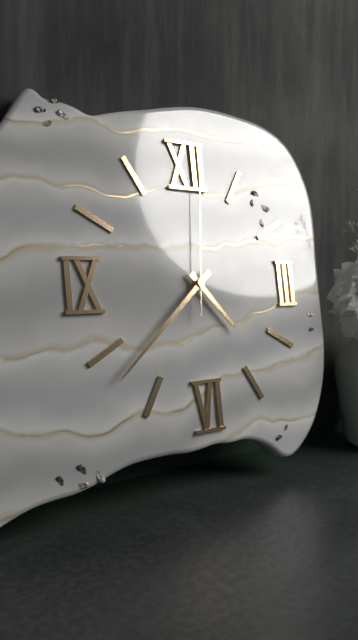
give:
4.38.01
